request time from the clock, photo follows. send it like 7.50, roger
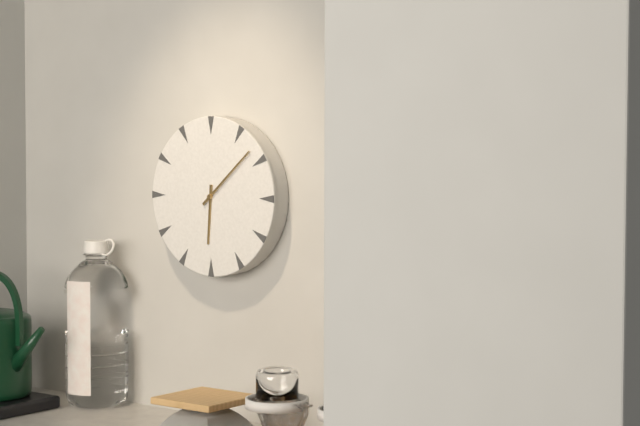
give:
6.08
